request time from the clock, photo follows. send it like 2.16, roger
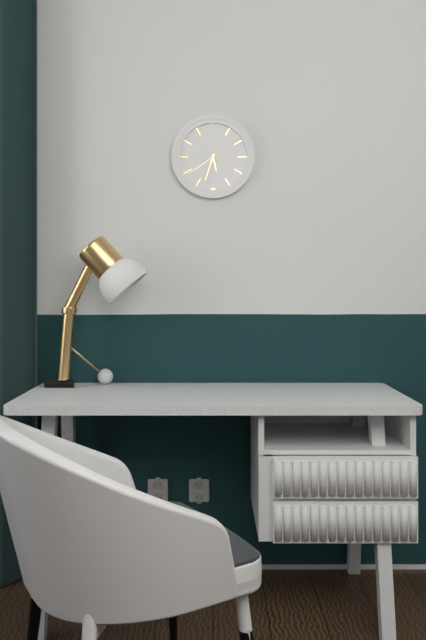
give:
5.33
